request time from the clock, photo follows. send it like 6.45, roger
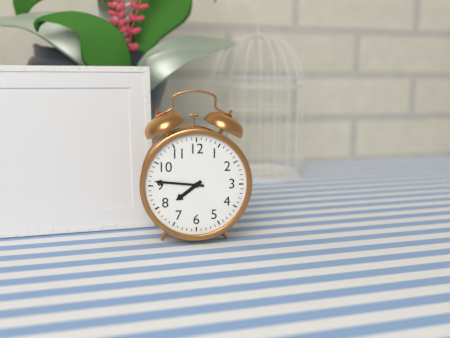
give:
7.46
